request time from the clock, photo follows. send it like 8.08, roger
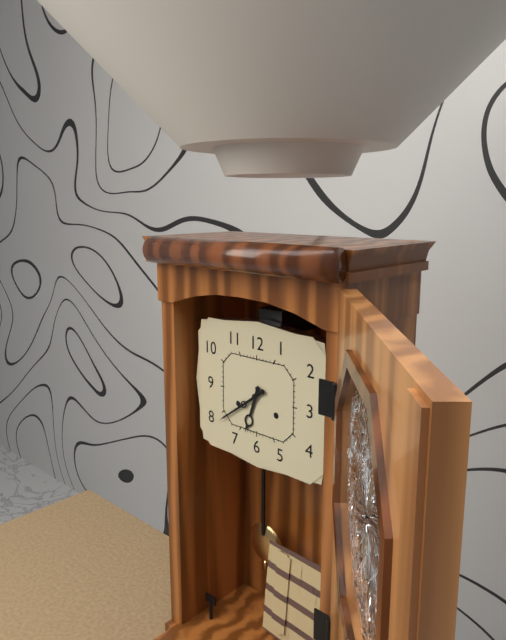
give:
6.39
